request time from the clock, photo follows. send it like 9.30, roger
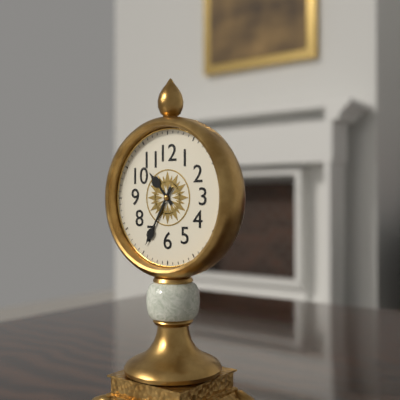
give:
10.35
